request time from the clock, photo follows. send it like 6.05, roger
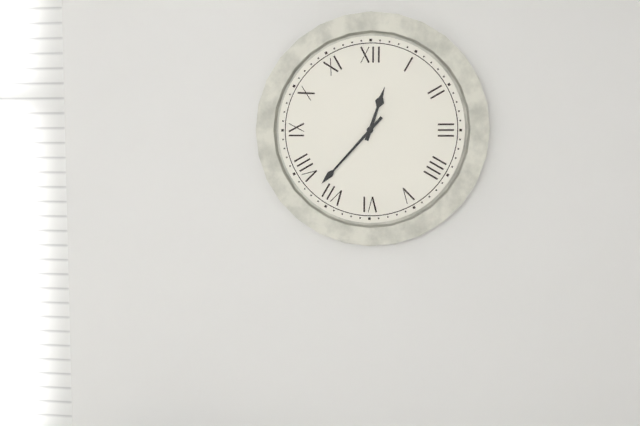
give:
12.37
